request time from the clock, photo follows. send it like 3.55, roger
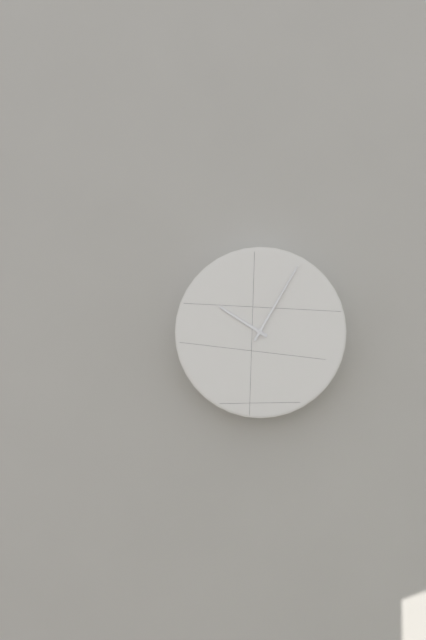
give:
10.05
